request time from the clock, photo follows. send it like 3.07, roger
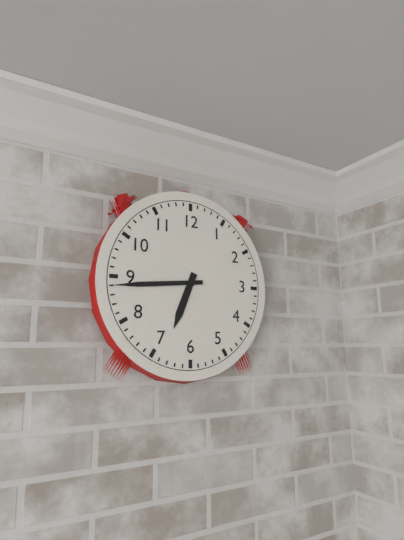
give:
6.44
